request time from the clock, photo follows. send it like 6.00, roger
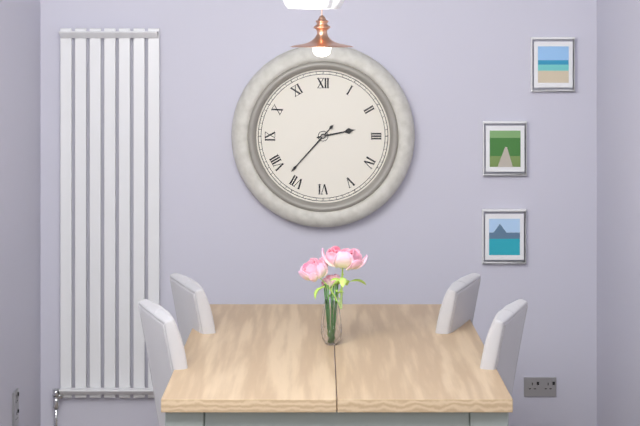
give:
2.37
